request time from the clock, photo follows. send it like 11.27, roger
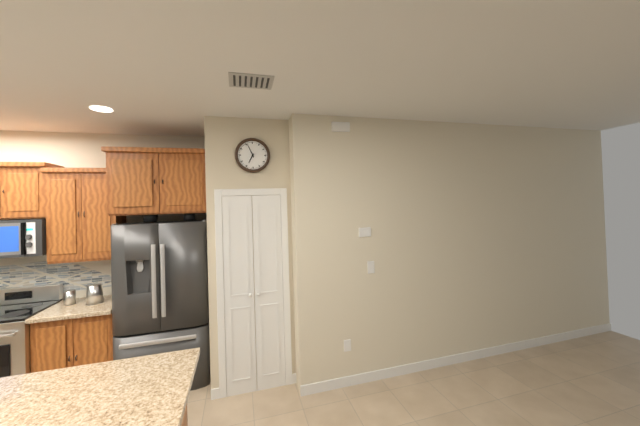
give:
6.56
